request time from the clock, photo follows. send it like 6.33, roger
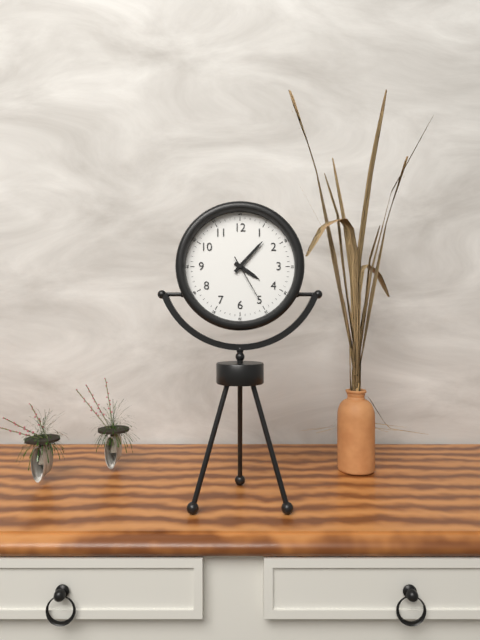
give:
4.07
